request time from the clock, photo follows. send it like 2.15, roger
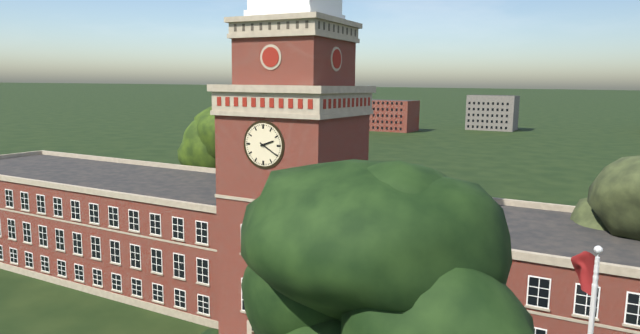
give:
2.20
